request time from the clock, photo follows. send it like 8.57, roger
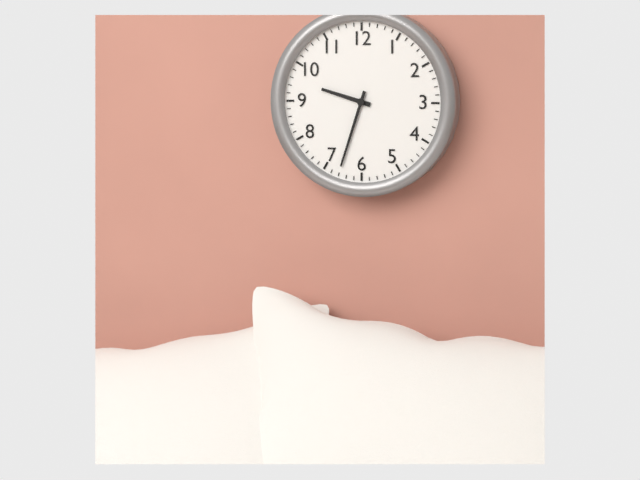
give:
9.33
